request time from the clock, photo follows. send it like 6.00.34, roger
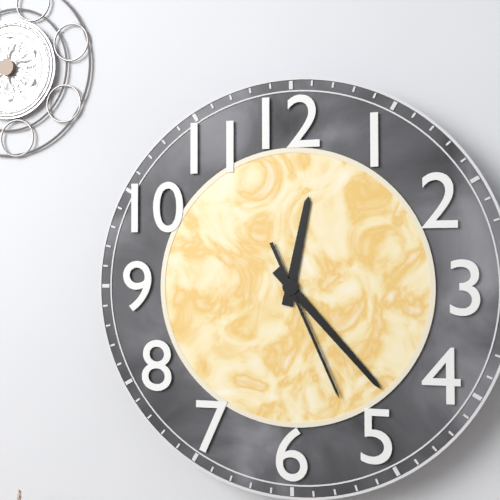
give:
12.23.26
